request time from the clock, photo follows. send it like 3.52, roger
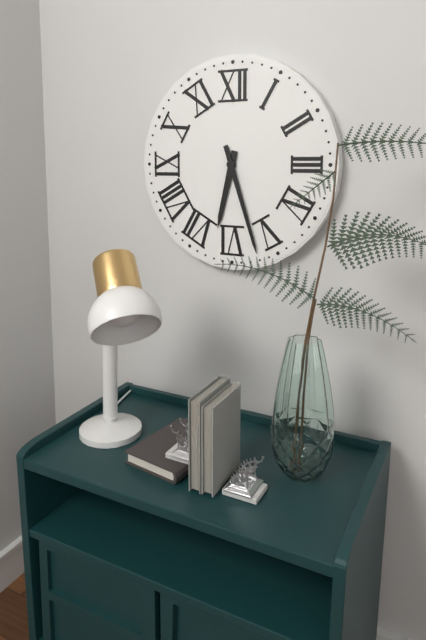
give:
6.27
